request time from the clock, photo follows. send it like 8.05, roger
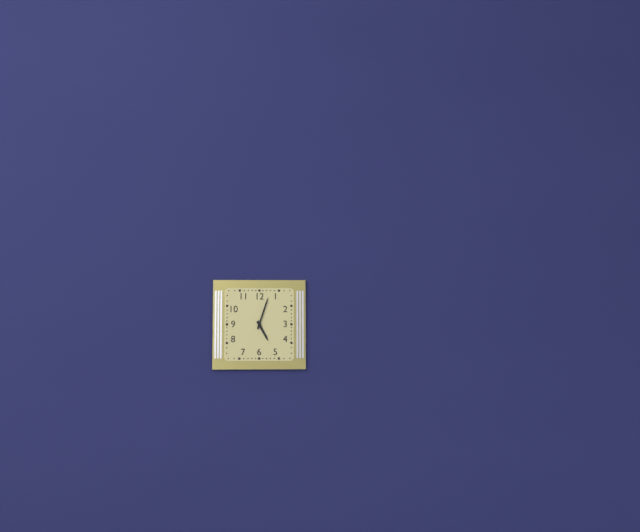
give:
5.03
